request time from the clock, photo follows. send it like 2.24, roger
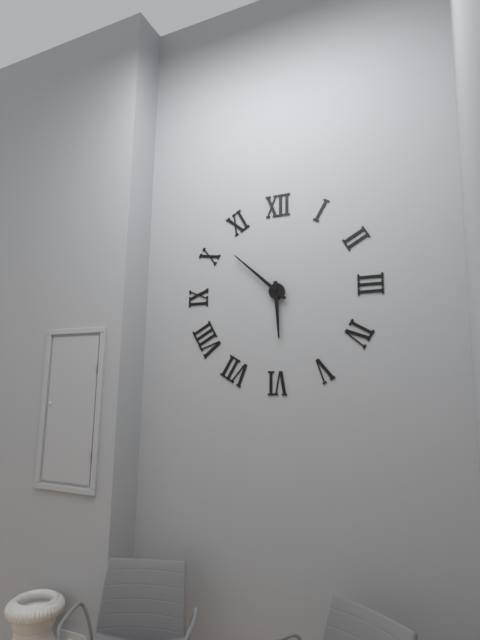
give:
5.52
